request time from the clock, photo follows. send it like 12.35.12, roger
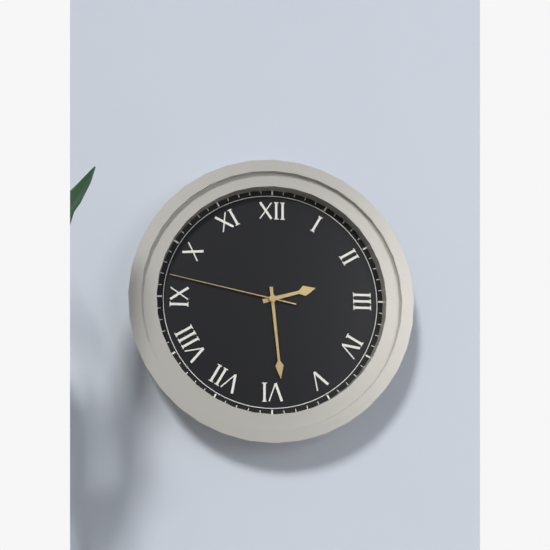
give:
2.29.47
